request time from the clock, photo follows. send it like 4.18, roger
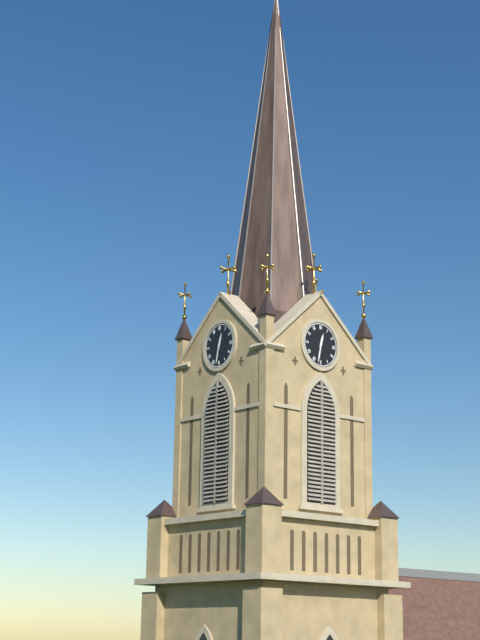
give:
12.32
